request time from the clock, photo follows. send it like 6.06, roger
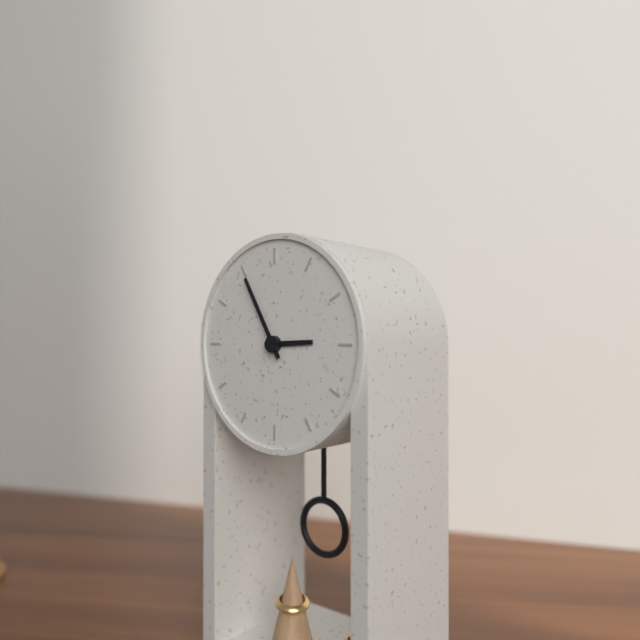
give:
2.55
